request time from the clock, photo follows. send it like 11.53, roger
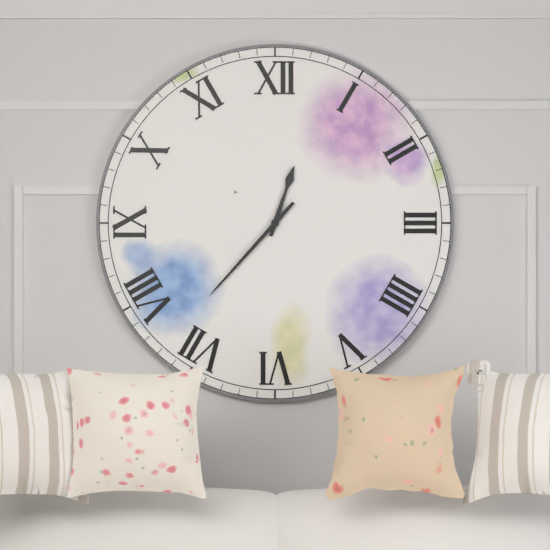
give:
12.37
